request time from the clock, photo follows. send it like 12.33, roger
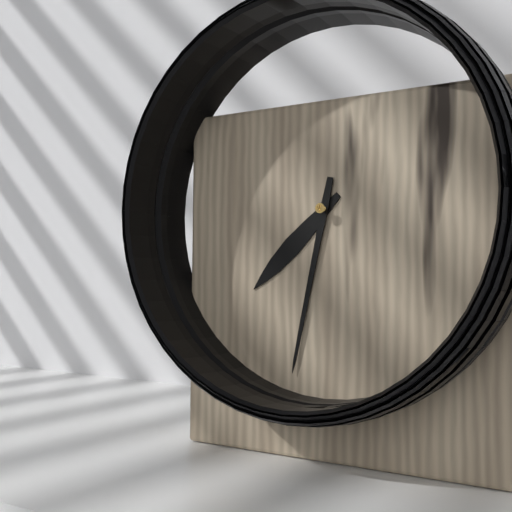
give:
7.32
